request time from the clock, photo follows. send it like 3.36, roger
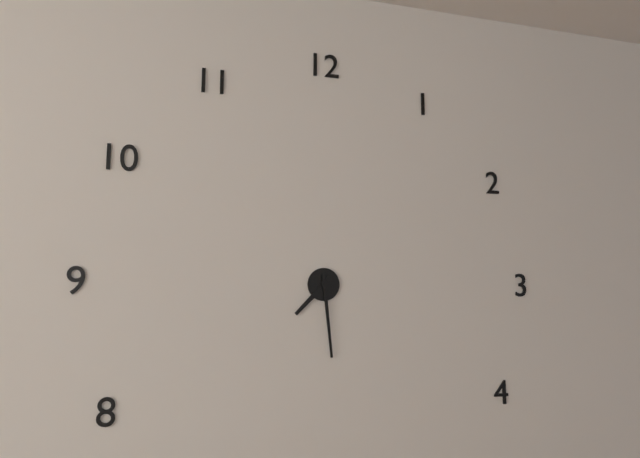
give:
7.29
